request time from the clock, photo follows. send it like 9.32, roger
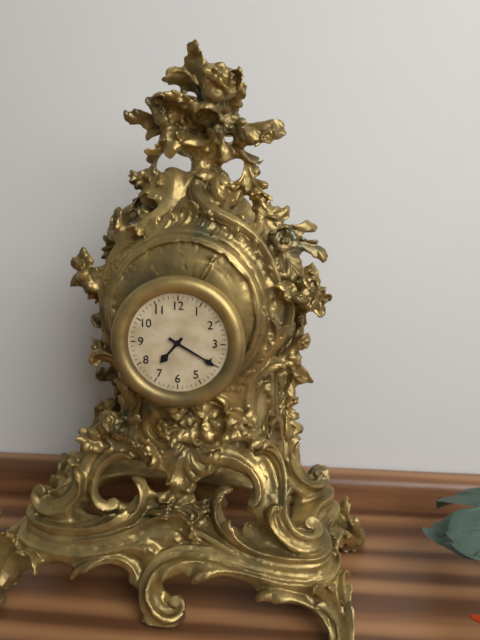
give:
7.20
